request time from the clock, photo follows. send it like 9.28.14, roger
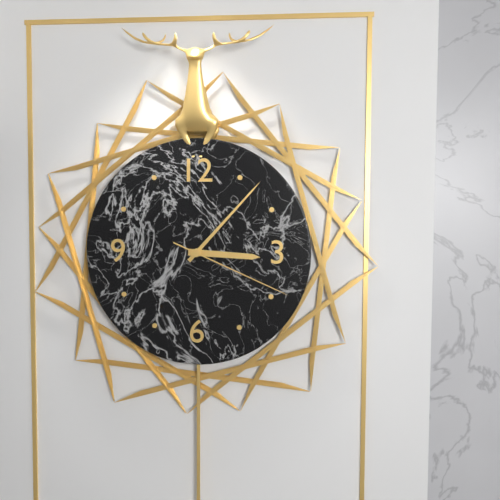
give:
3.07.19
